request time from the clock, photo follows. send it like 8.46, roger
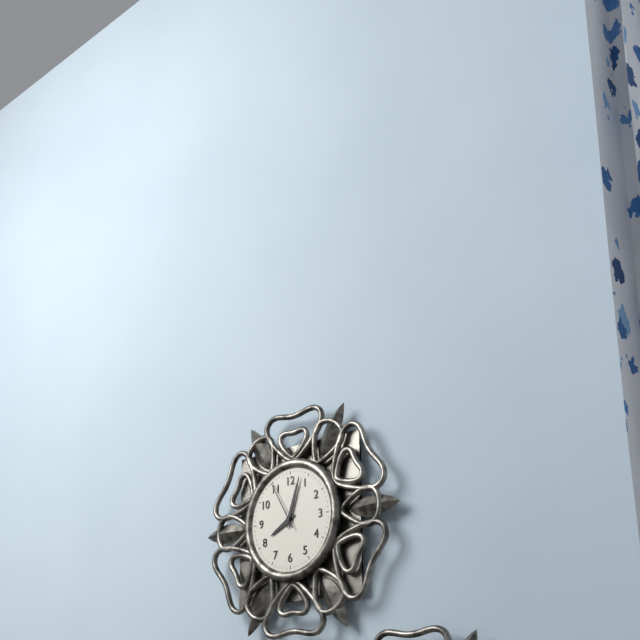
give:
8.03
